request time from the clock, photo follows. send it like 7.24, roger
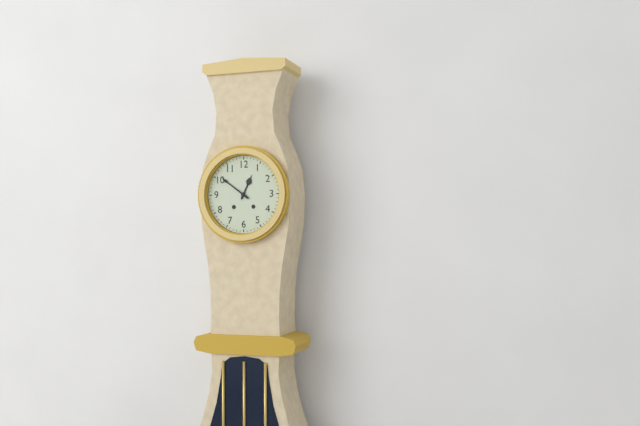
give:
12.51
